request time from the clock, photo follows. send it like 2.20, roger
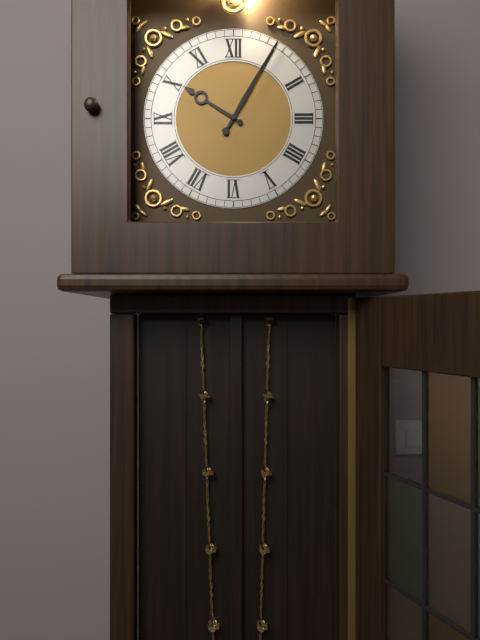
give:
10.05
